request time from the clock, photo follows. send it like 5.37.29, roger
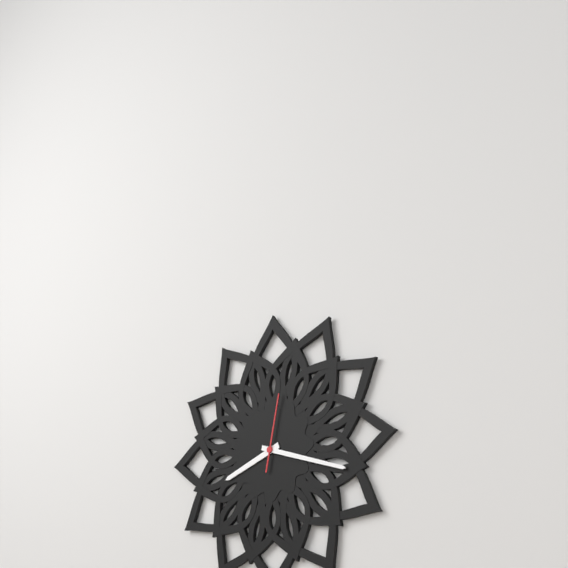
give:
8.18.02
